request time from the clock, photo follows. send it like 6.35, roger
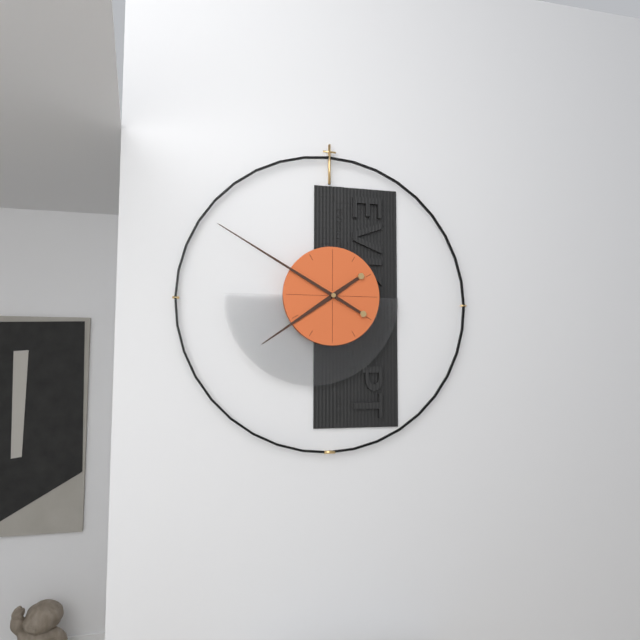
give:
7.50
